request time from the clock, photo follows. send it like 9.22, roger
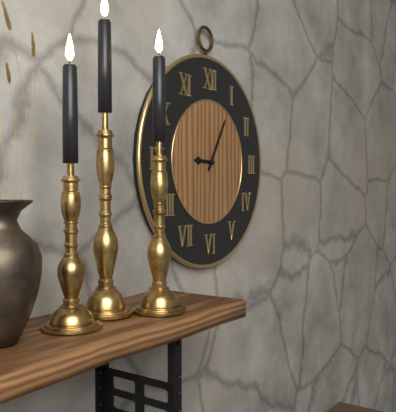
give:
9.05
